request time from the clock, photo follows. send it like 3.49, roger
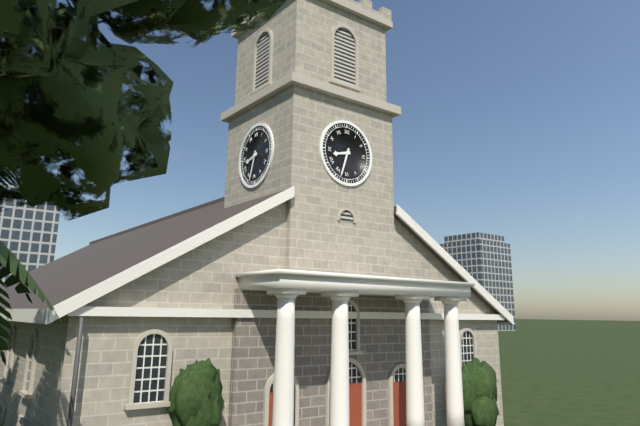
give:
8.33
